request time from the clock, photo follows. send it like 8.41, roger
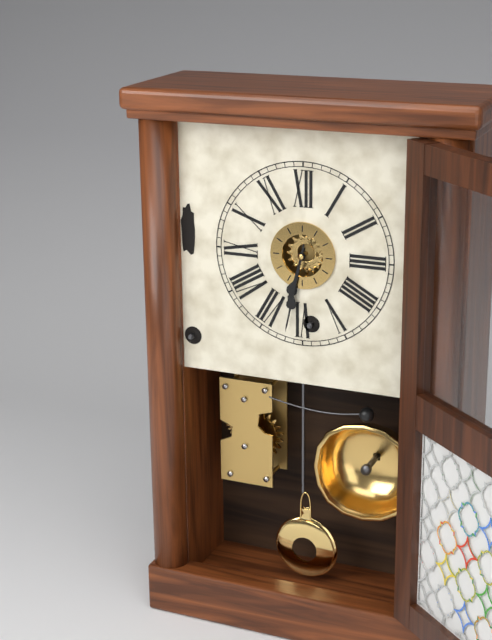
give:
6.32
